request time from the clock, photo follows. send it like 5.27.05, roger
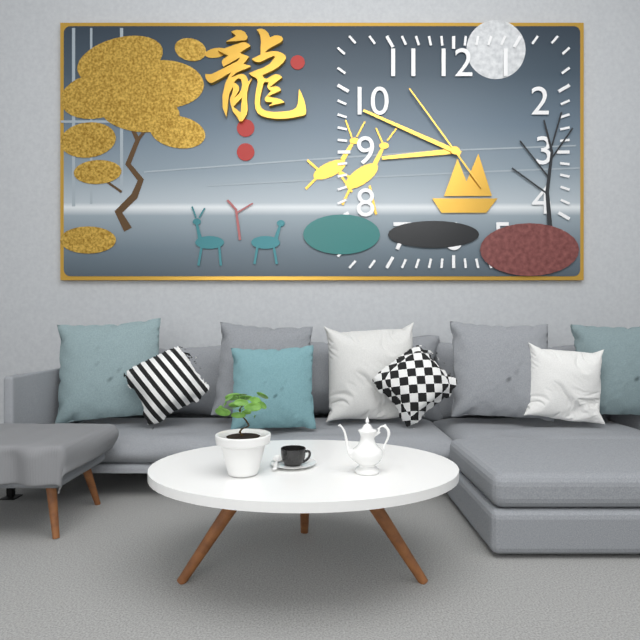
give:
8.49.54
